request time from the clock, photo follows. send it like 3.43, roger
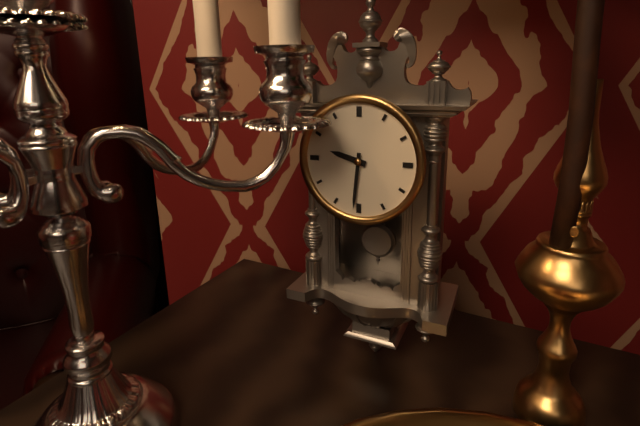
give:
9.31
